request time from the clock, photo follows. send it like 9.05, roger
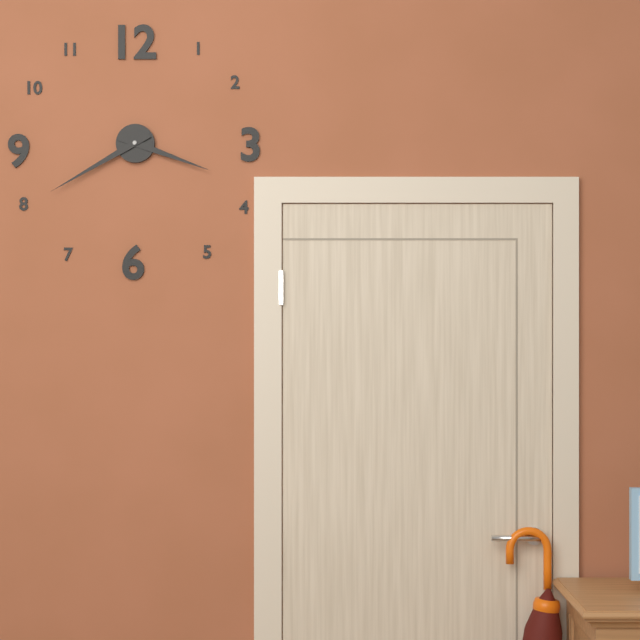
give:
3.40
